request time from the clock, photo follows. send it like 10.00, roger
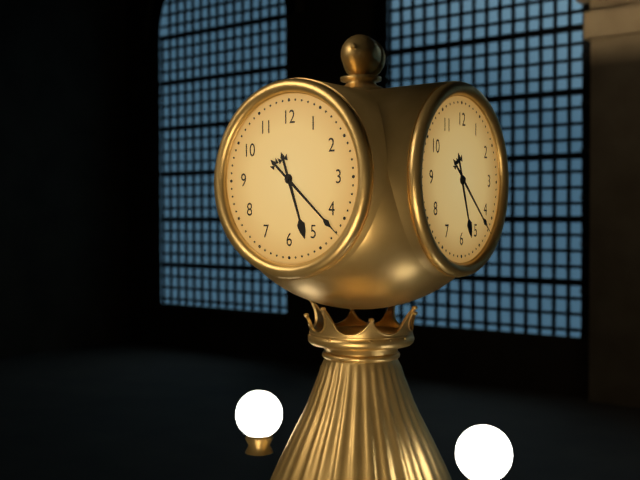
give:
5.22
